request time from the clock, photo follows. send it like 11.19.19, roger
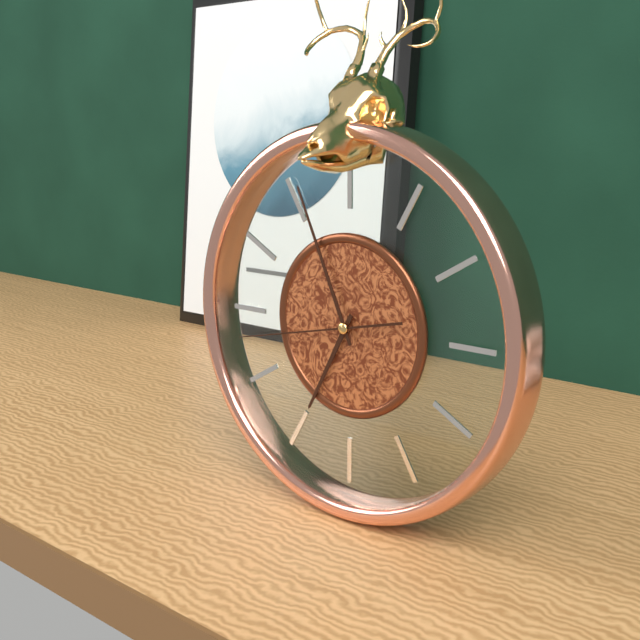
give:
6.56.43
